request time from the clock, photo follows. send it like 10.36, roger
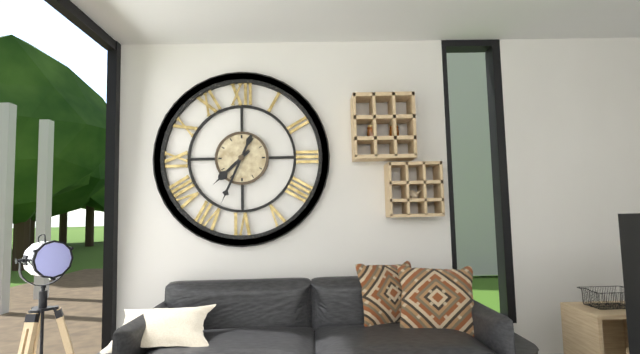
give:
7.34
